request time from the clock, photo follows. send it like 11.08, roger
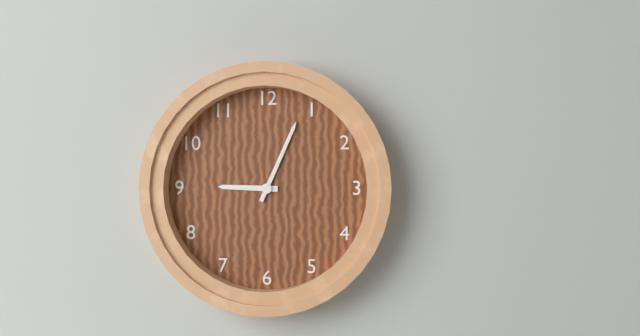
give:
9.04
